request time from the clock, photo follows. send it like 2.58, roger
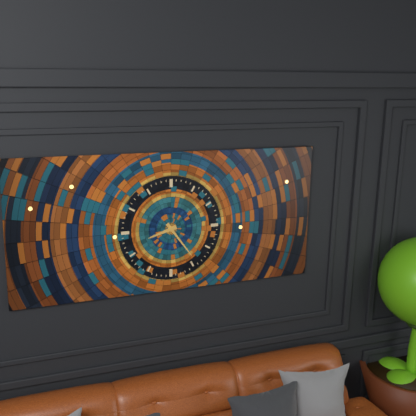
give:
8.24
